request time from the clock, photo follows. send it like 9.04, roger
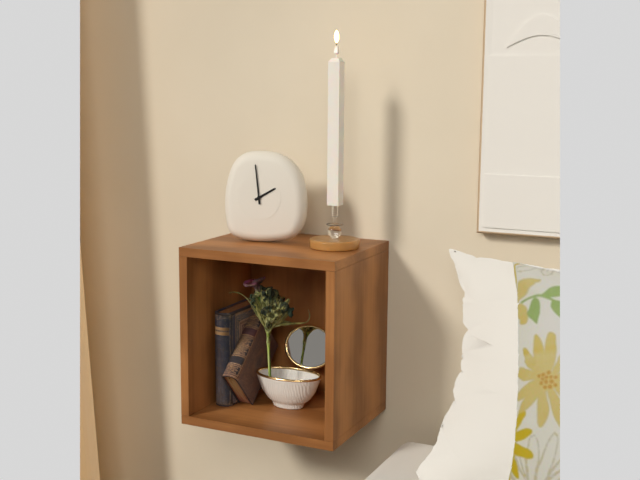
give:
1.59
